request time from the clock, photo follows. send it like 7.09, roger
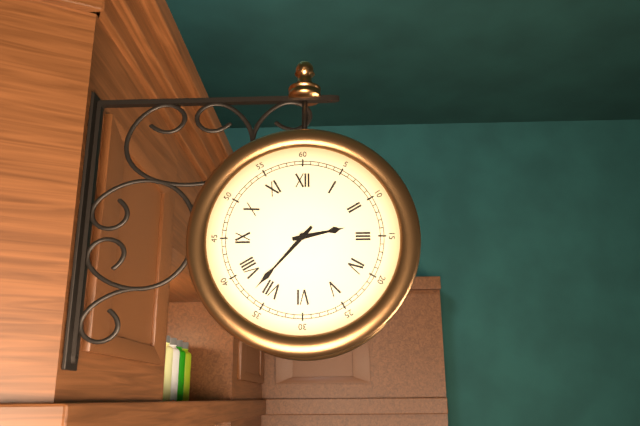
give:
2.37
